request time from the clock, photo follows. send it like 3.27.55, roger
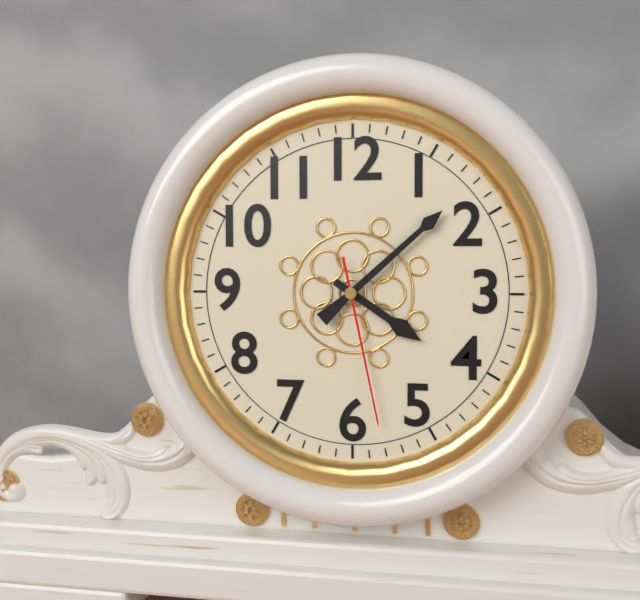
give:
4.08.28
